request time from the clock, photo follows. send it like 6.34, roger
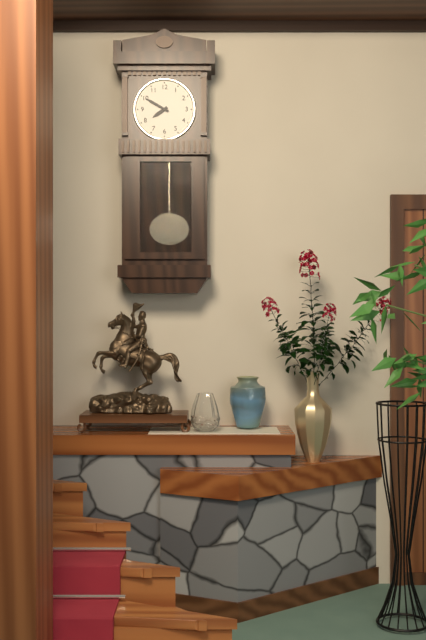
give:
7.50
